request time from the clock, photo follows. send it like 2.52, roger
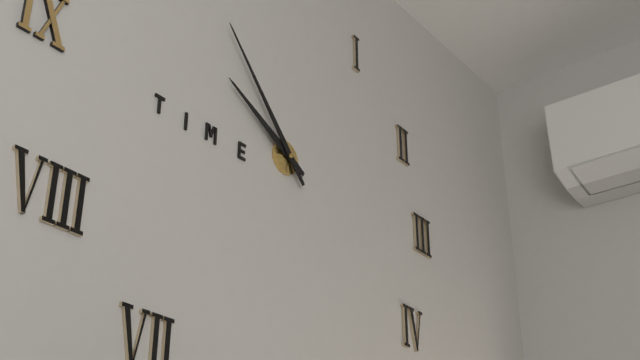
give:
9.53
